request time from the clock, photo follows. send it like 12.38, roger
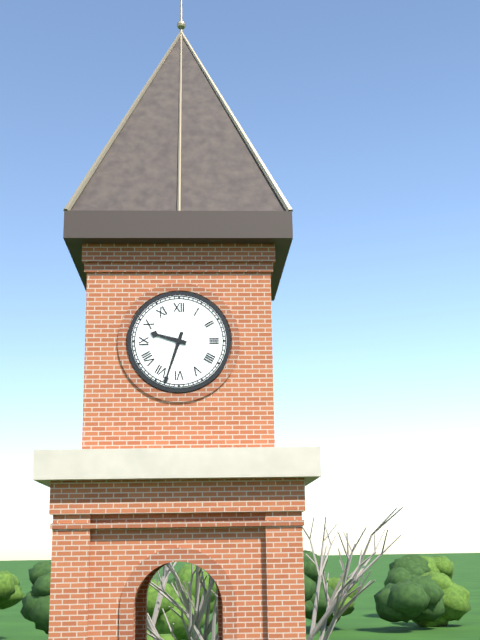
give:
9.33
